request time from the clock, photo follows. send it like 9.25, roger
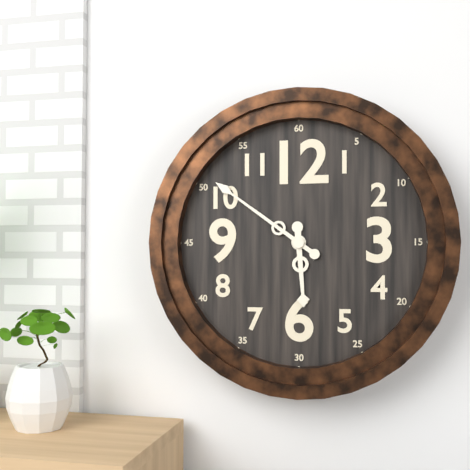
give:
5.51
